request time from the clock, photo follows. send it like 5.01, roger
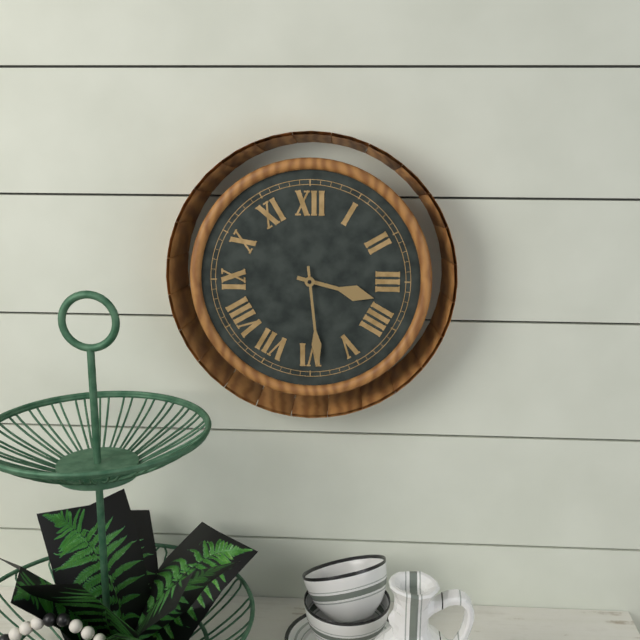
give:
3.29
